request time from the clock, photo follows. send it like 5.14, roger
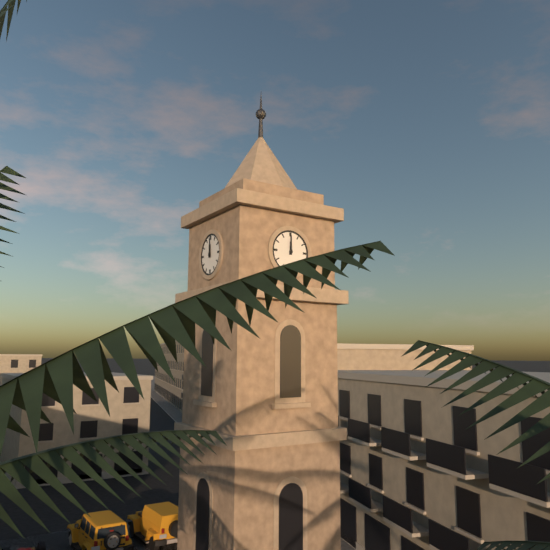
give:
12.00
